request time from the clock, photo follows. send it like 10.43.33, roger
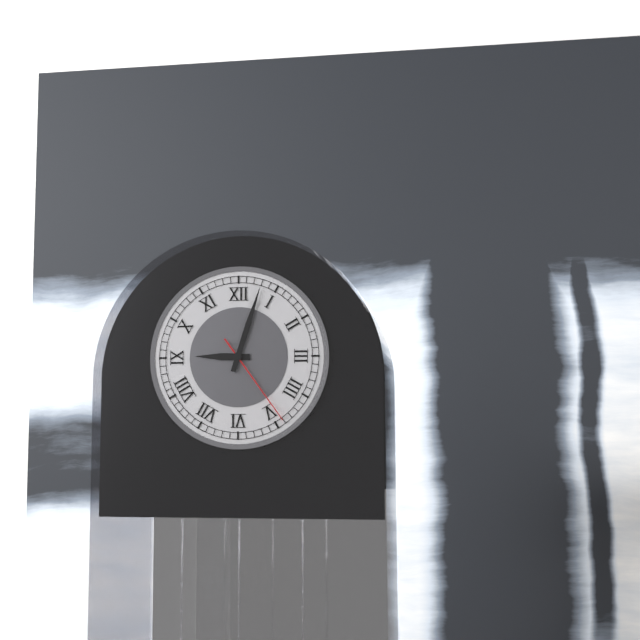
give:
9.03.24
